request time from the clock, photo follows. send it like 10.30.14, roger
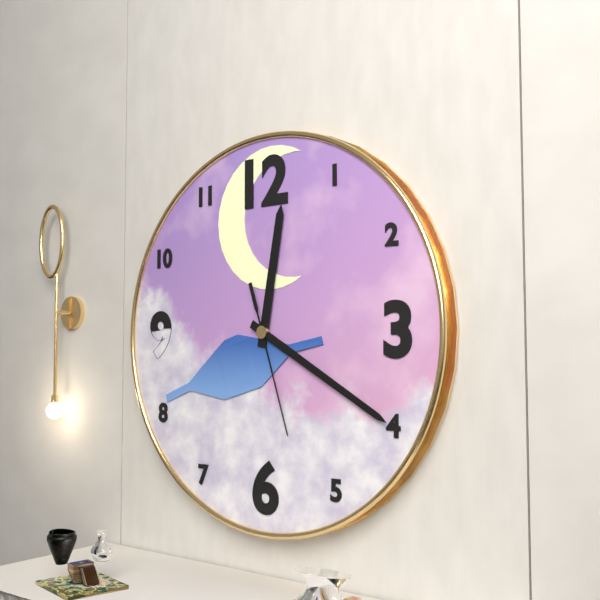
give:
12.20.27
